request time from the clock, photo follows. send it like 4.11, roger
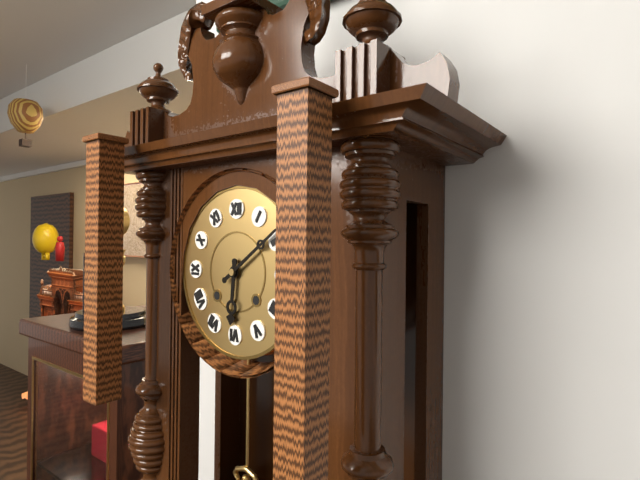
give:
6.09
